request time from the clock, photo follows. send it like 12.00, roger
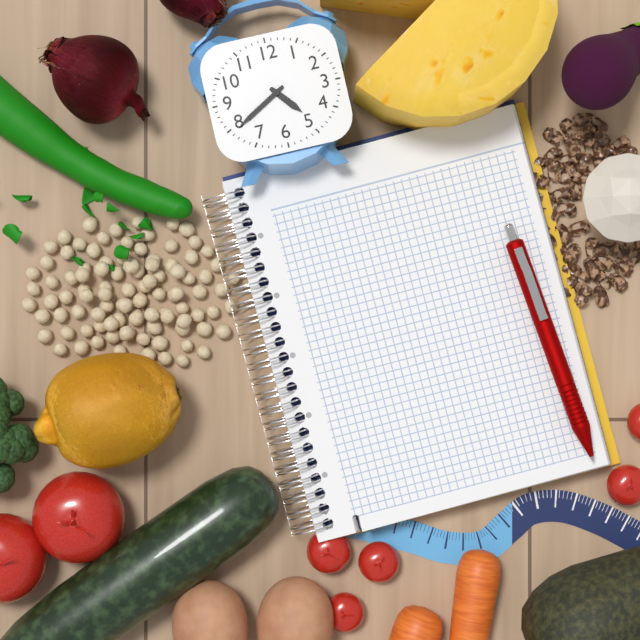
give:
4.40
